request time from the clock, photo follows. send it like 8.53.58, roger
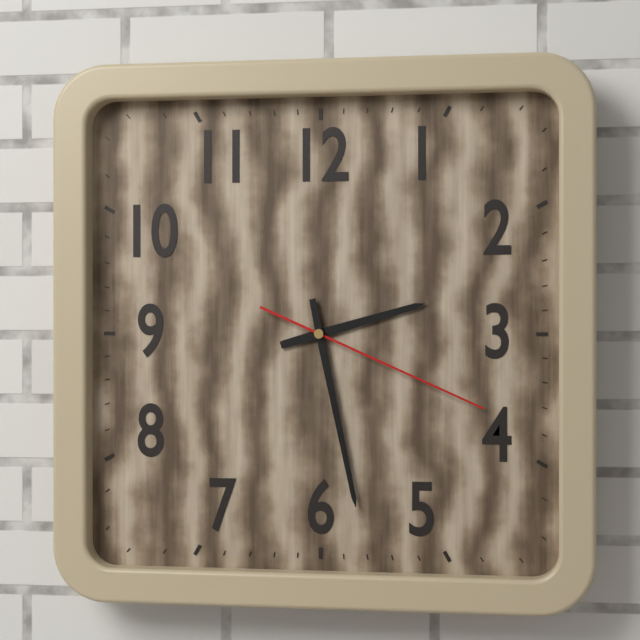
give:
2.28.19
